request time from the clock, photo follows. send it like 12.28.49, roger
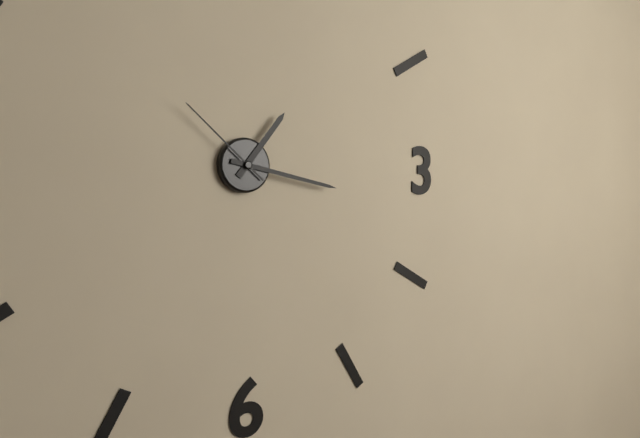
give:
1.17.52
